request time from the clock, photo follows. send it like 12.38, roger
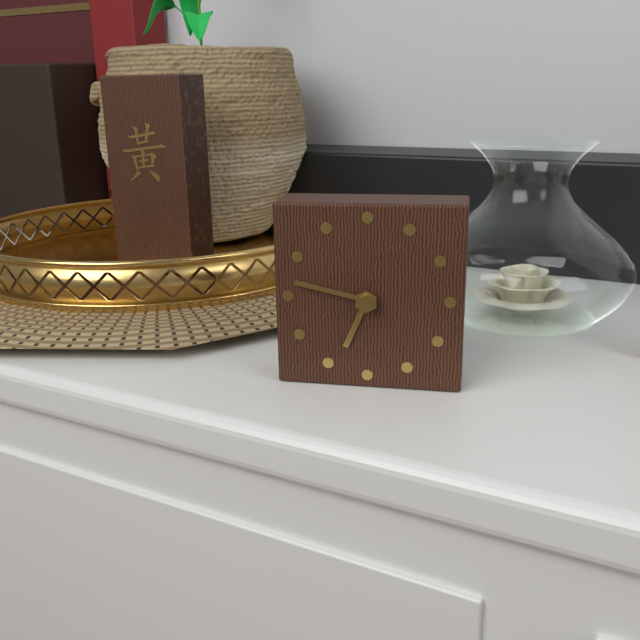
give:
6.47
